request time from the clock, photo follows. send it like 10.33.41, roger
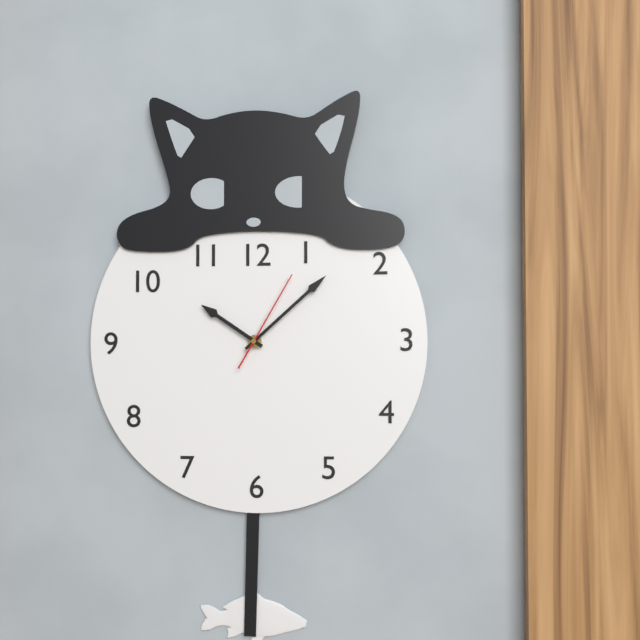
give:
10.08.05
